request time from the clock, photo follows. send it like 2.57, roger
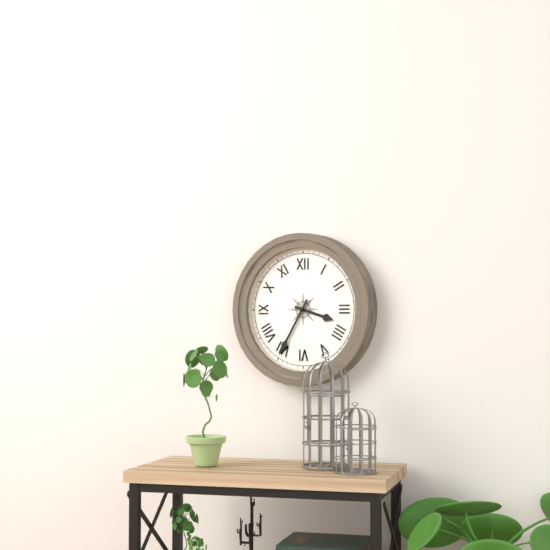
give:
3.35
